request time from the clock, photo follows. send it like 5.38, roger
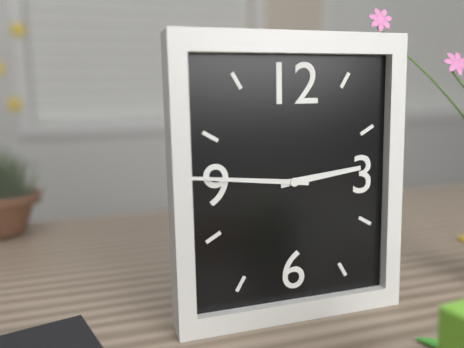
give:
2.46
